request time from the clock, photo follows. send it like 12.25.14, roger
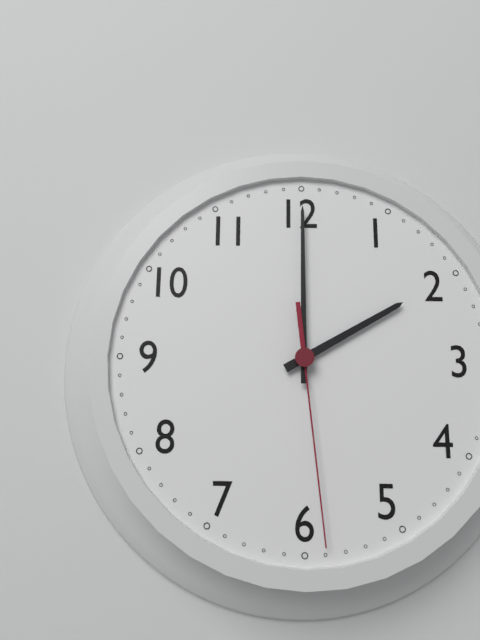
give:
2.00.29
